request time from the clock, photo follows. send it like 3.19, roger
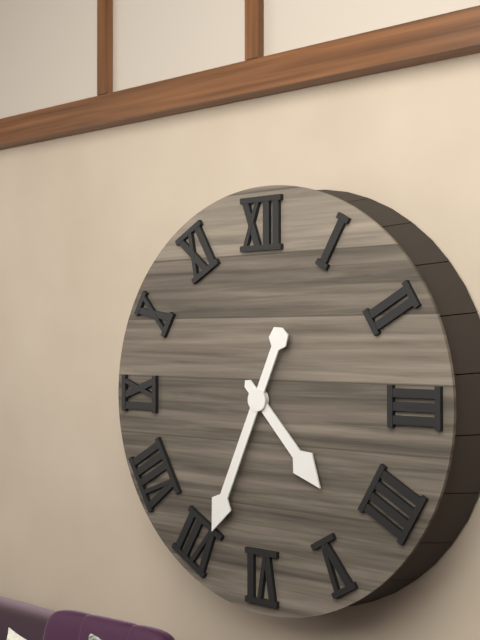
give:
4.34
